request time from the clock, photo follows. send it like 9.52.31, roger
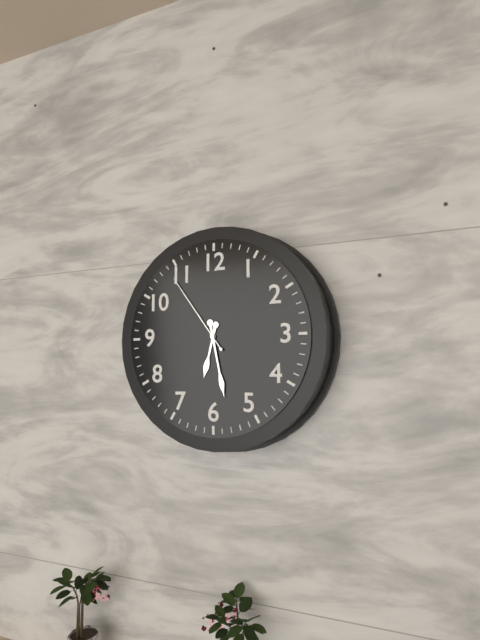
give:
6.28.54
